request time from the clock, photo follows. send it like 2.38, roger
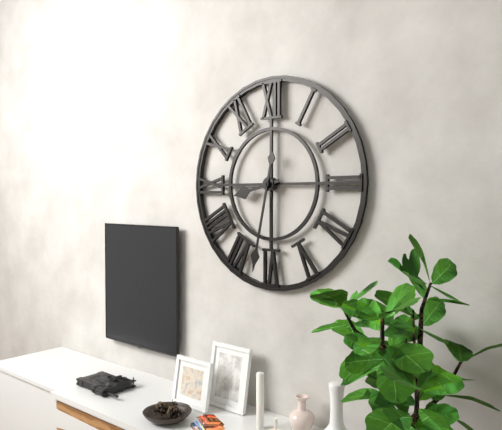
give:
8.32
